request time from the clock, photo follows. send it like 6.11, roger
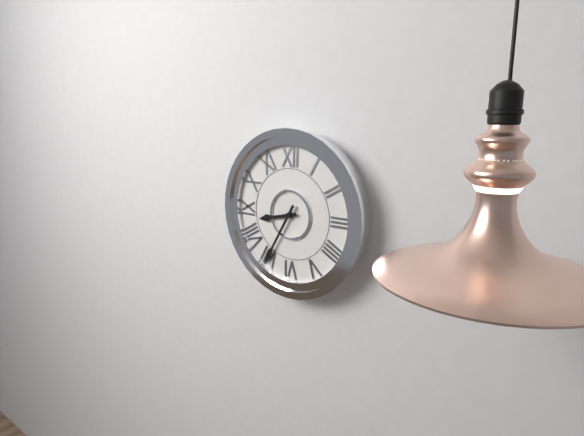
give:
8.35
